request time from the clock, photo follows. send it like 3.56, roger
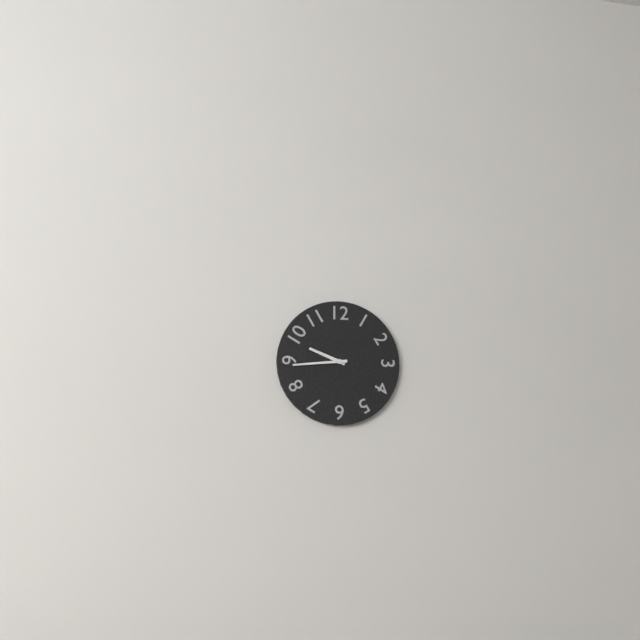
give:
9.44
